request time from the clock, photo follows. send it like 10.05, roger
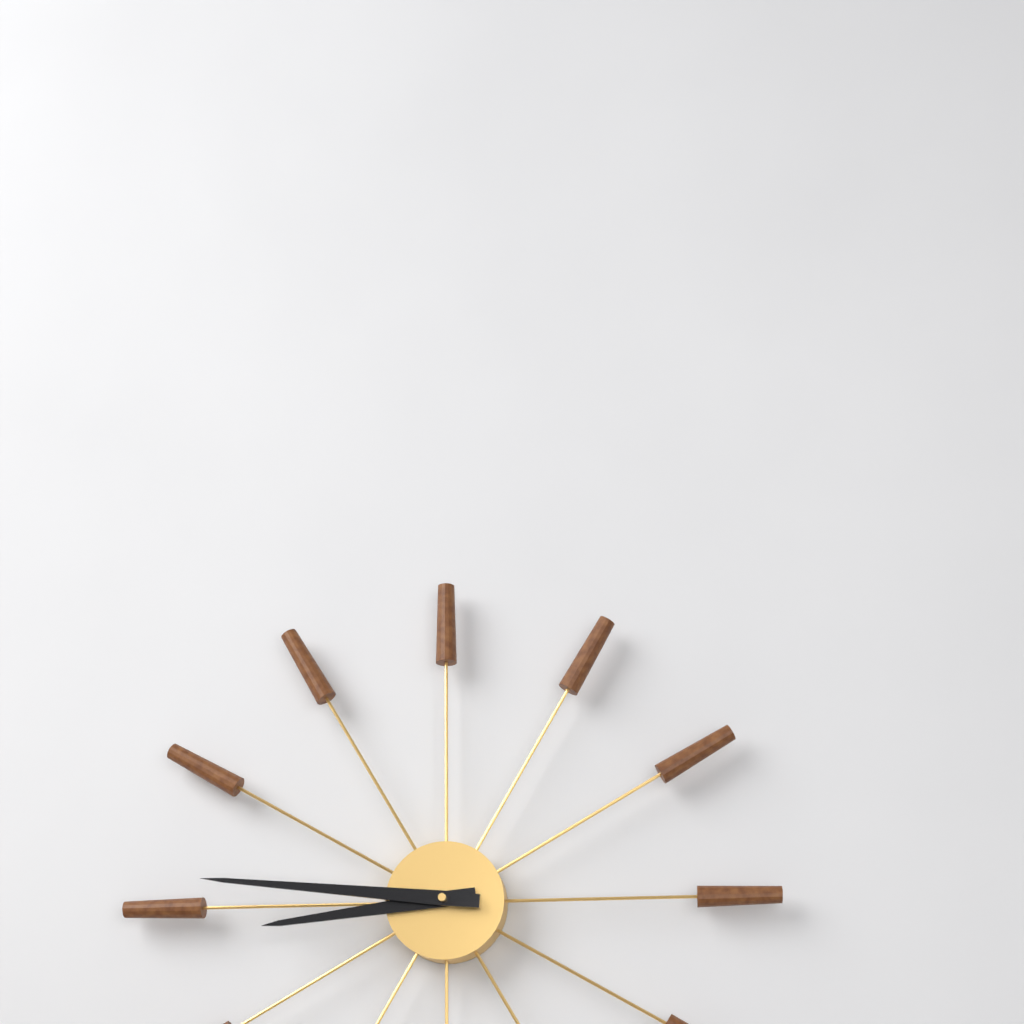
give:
8.46
